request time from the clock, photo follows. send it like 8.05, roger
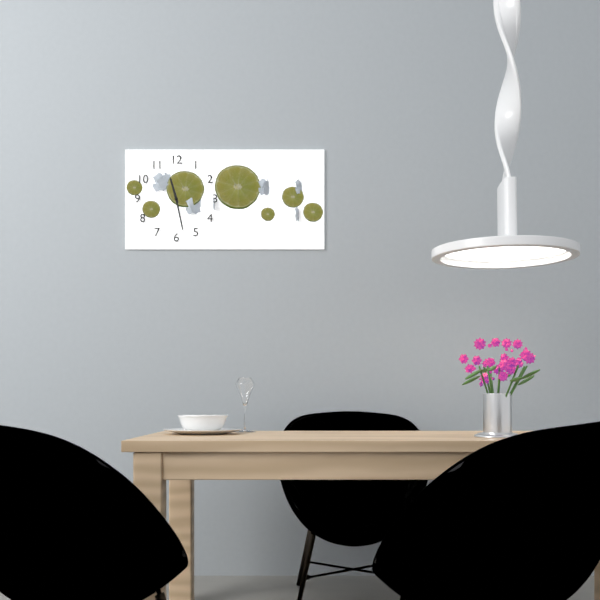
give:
11.28
